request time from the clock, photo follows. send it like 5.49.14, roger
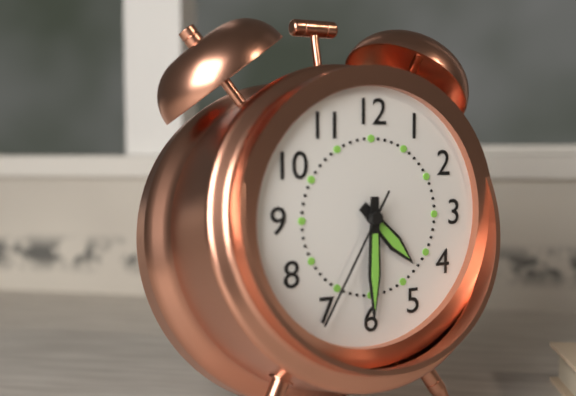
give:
4.30.35
